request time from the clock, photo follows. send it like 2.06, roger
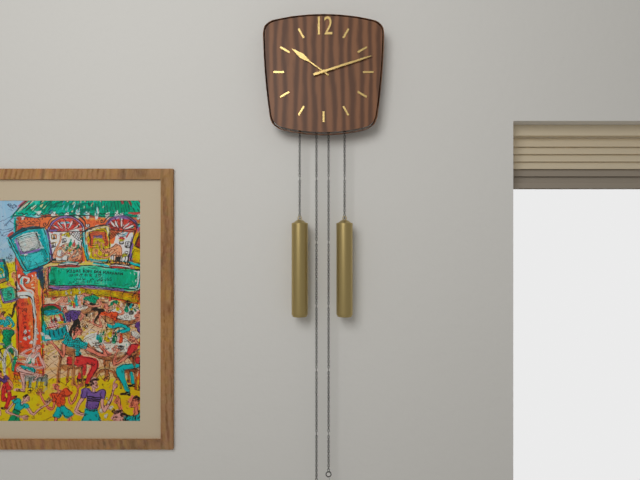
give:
10.12
